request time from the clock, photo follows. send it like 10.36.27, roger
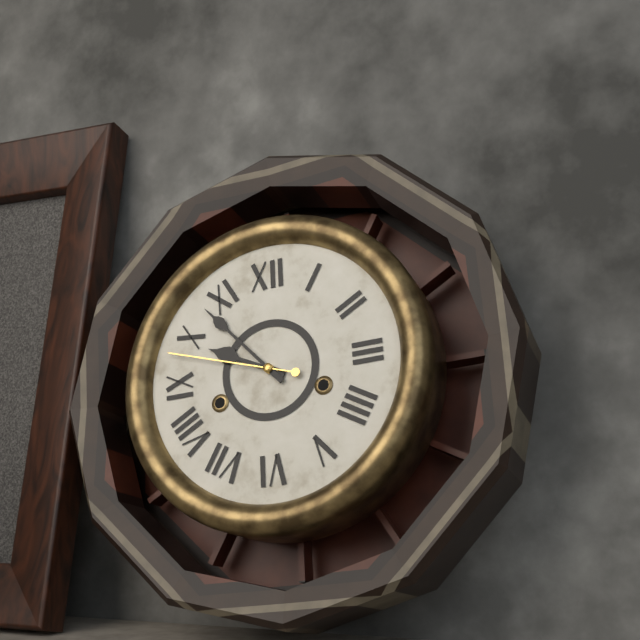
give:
9.53.48
